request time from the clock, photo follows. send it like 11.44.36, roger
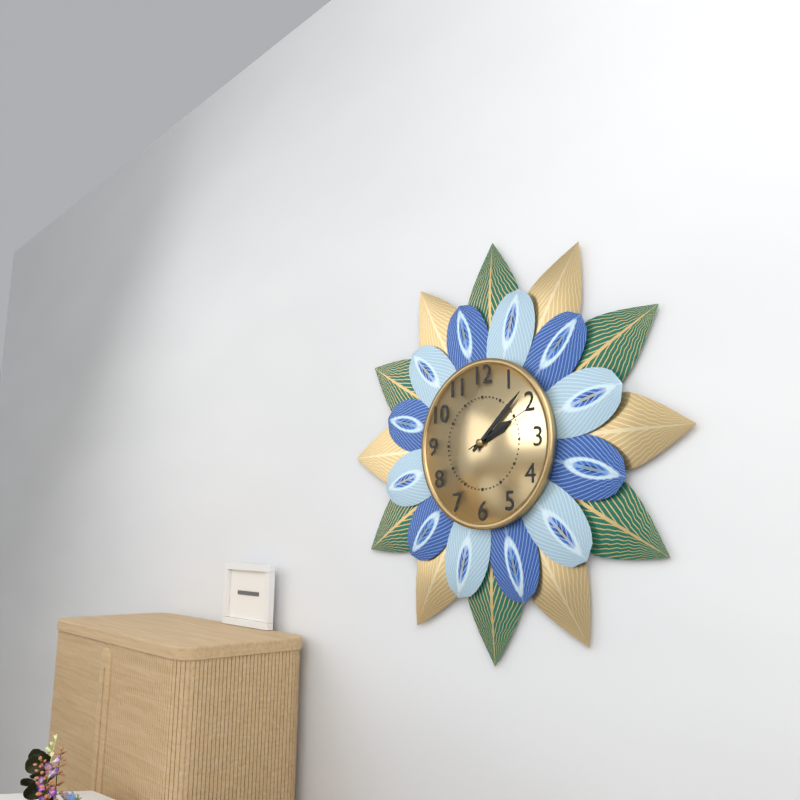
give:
2.08.11
